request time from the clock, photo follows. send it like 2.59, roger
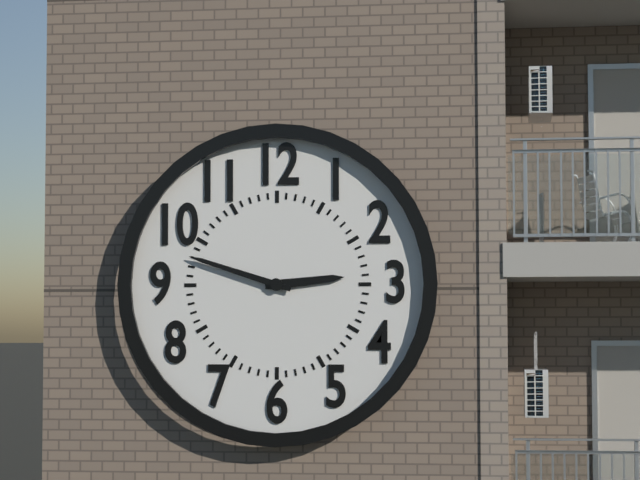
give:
2.48
